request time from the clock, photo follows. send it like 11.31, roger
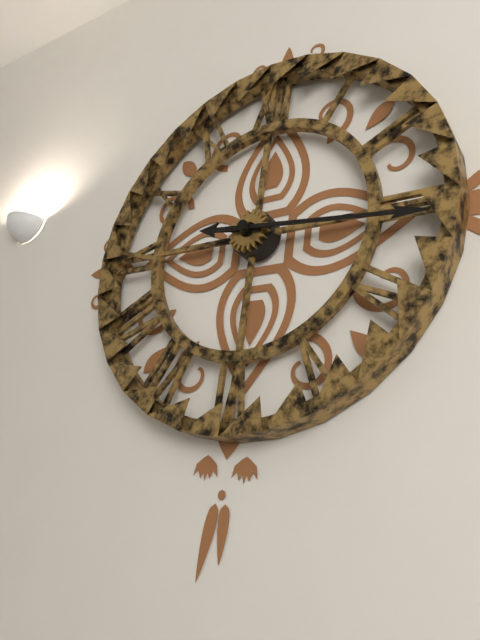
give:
9.16
